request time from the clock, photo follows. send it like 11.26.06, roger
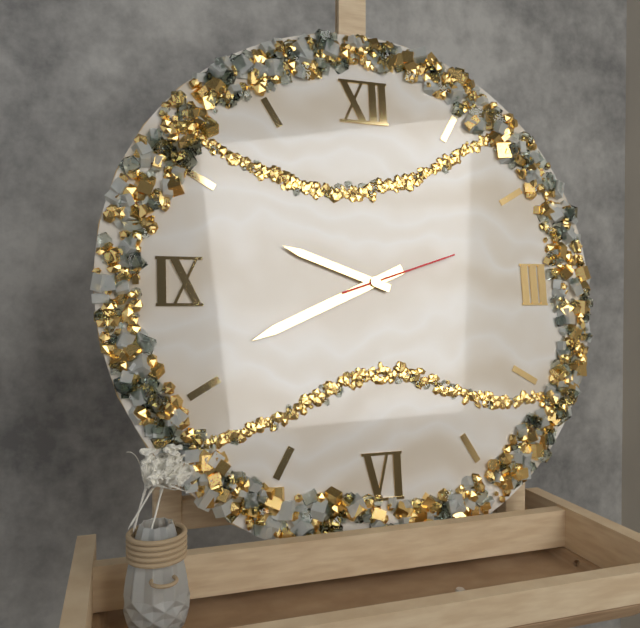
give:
9.41.12
